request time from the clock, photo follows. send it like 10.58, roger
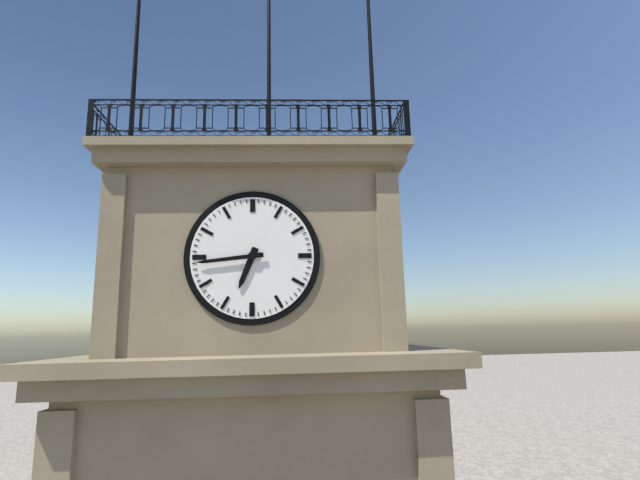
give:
6.44
